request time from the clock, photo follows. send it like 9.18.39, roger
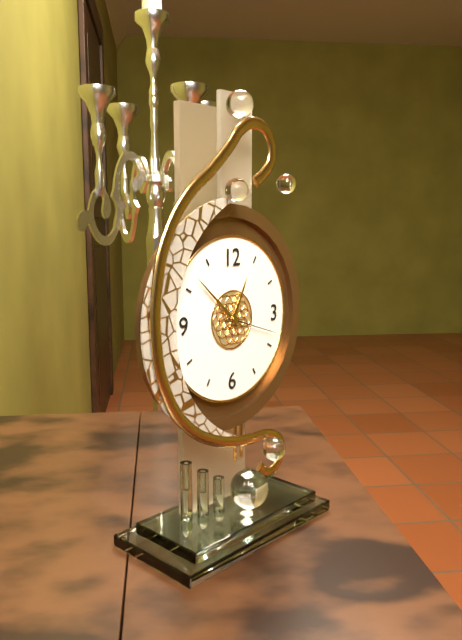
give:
12.52.18
